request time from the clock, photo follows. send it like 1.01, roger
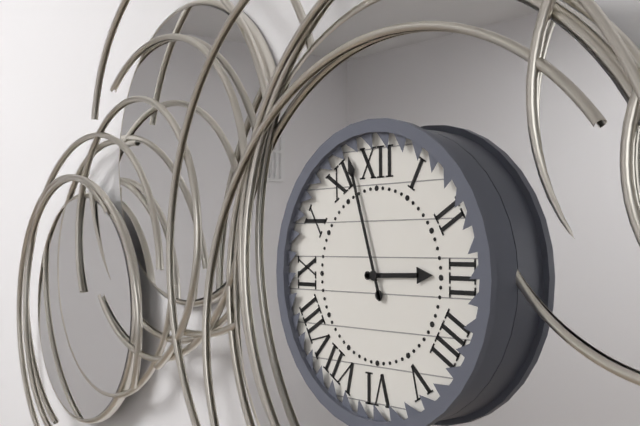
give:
2.57
